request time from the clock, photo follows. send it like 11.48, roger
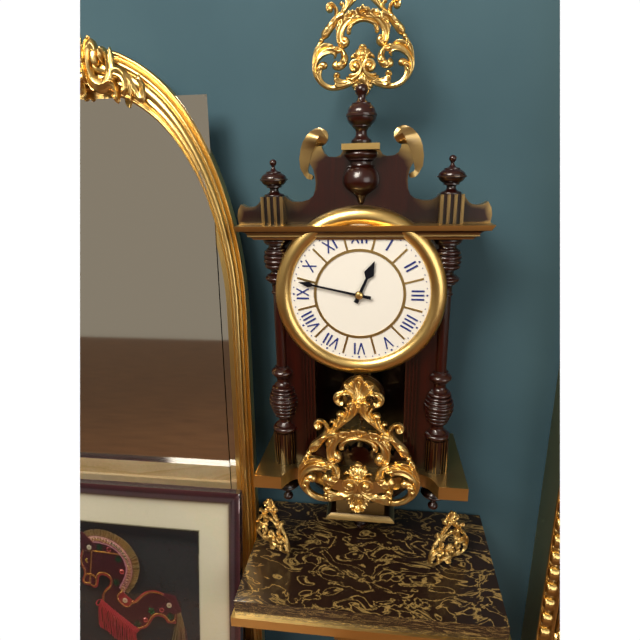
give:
12.47
